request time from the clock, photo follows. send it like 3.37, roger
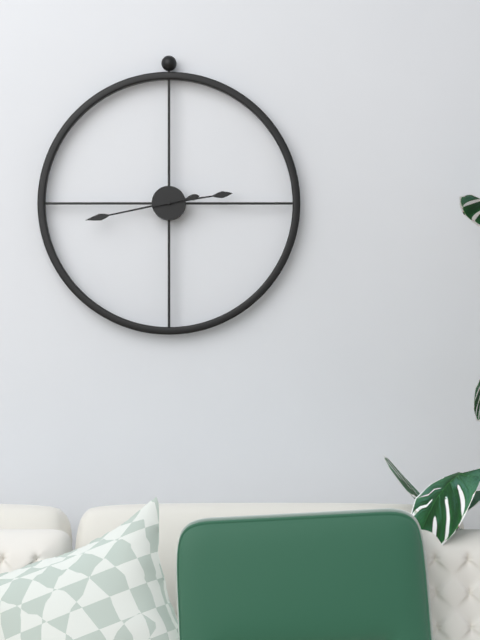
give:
2.43
